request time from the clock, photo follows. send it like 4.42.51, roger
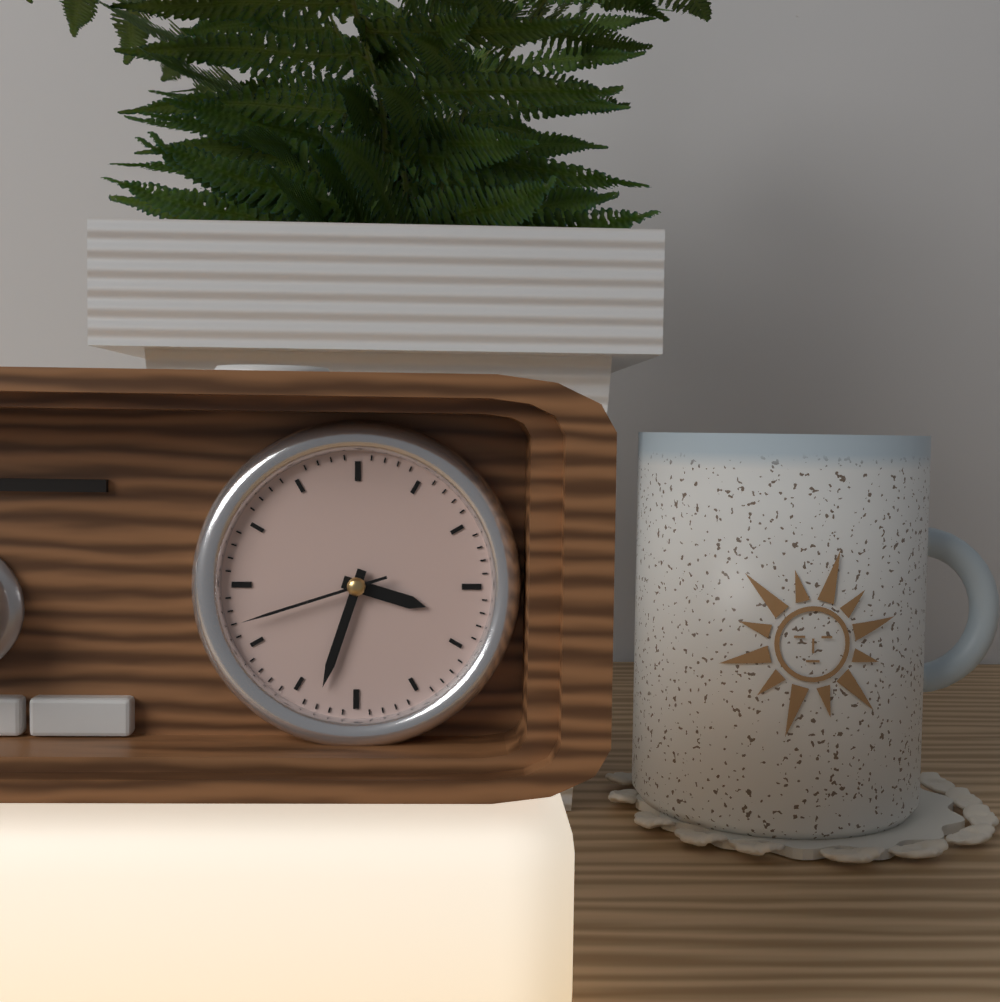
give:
3.33.42
